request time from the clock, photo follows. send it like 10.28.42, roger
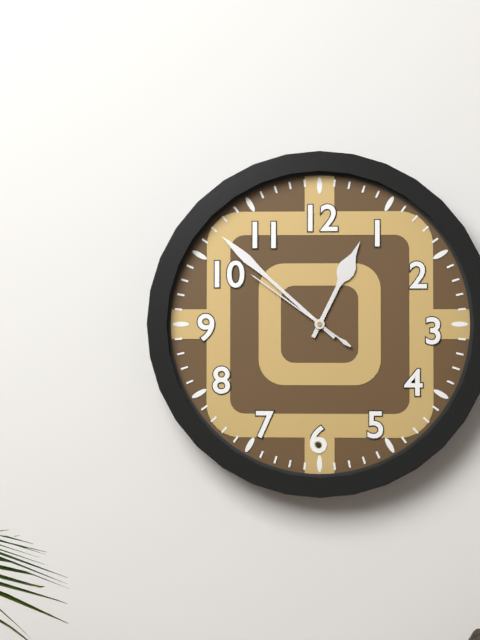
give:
12.52.51
